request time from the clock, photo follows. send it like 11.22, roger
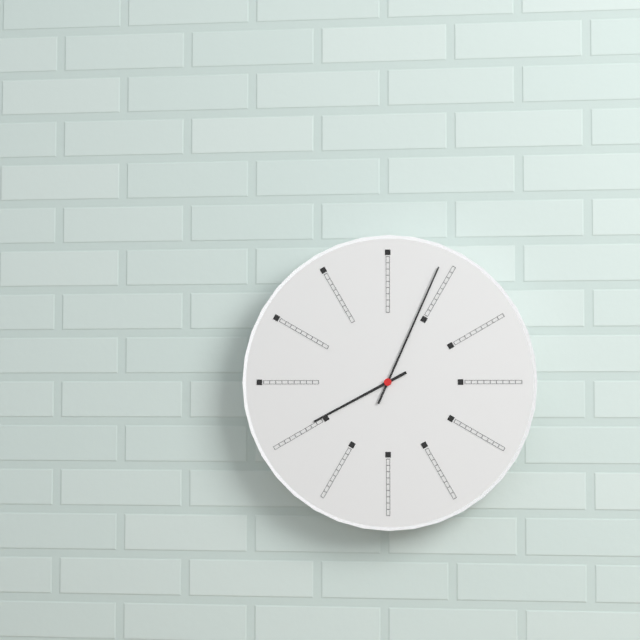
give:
8.04
